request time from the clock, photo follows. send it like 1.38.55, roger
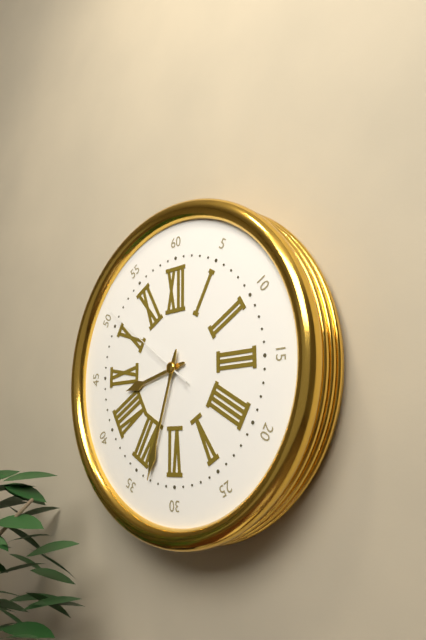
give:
8.33.51
